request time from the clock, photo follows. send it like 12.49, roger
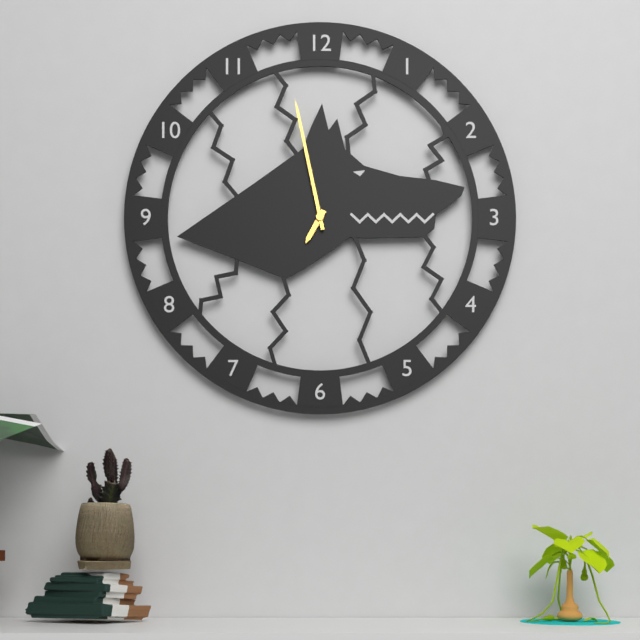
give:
6.58
